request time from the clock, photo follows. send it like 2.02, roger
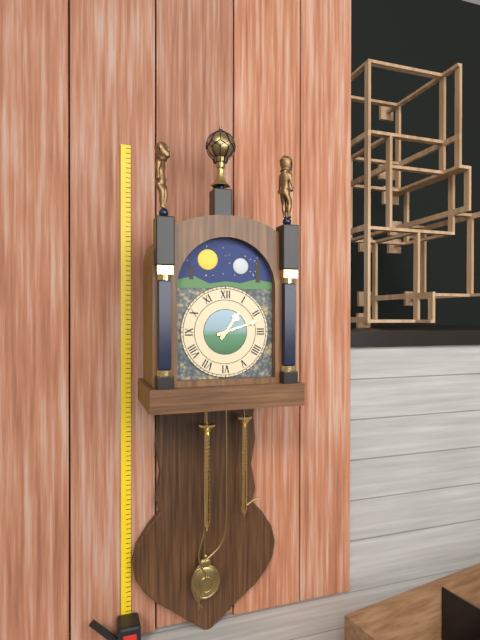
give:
1.12
